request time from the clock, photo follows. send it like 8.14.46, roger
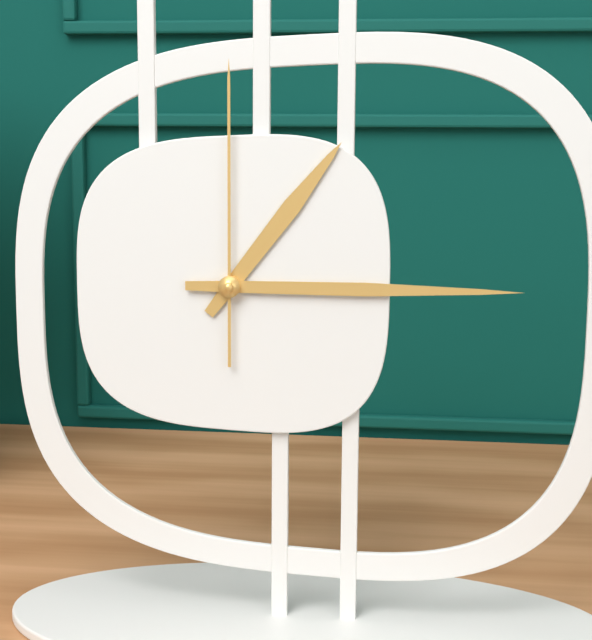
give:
1.15.00
